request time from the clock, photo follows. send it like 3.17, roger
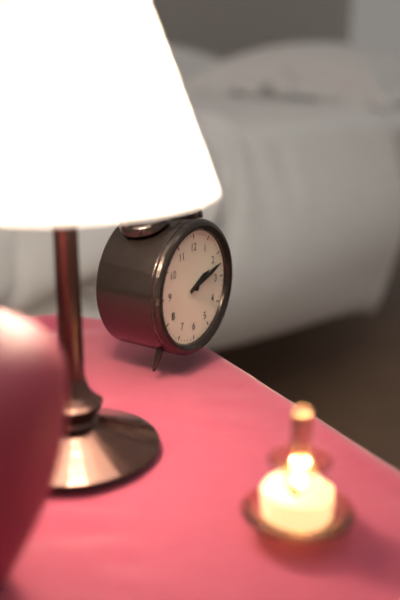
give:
2.12
